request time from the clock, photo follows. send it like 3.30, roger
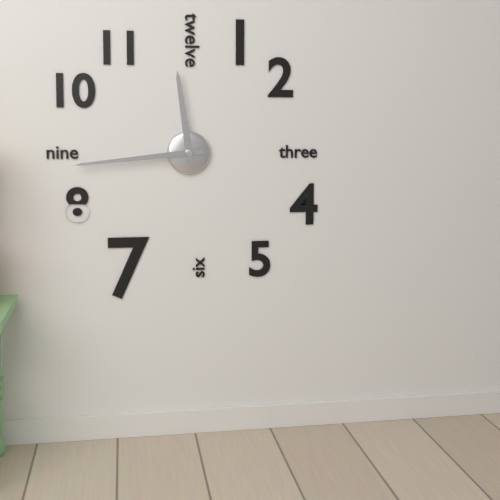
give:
11.44
